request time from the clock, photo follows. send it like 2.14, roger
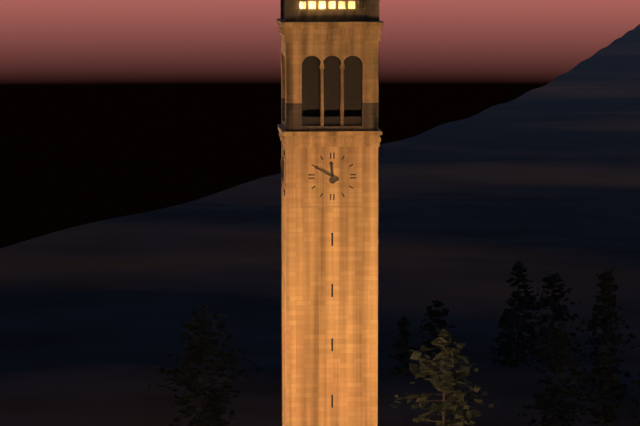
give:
11.50
